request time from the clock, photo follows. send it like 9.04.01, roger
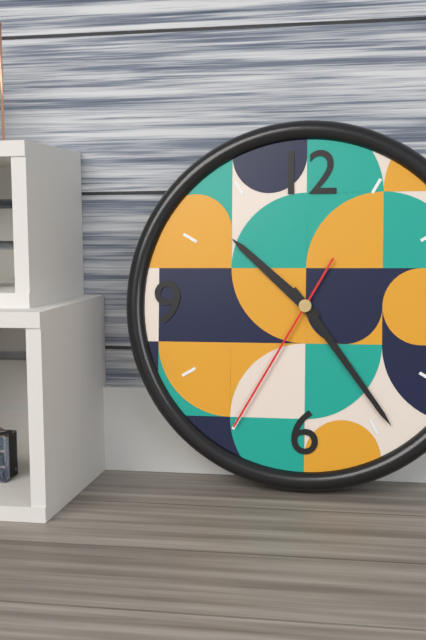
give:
10.24.35
